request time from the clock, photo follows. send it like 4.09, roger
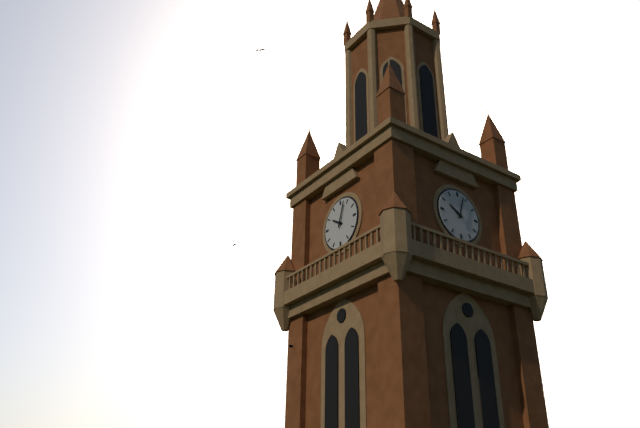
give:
10.03
